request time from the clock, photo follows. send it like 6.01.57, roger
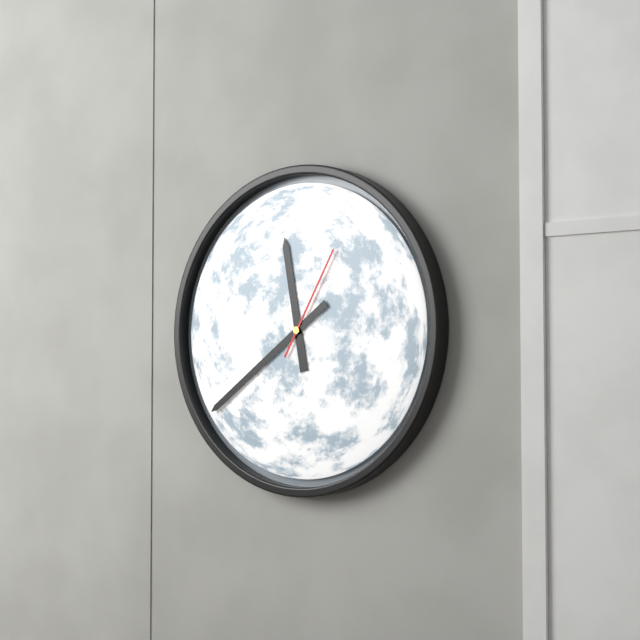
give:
11.39.05
